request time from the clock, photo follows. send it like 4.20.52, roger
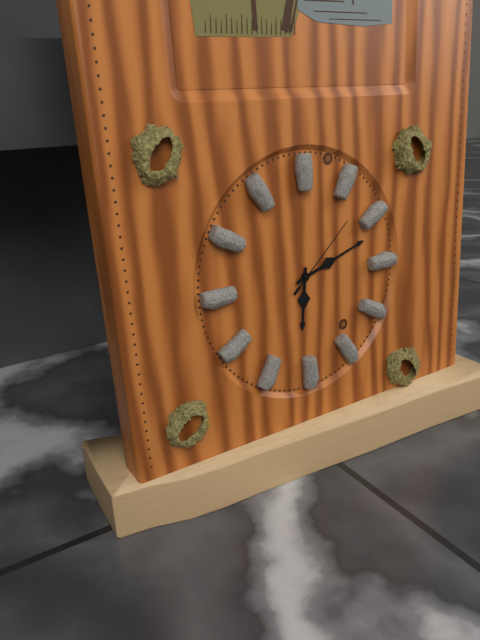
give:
6.12.08
